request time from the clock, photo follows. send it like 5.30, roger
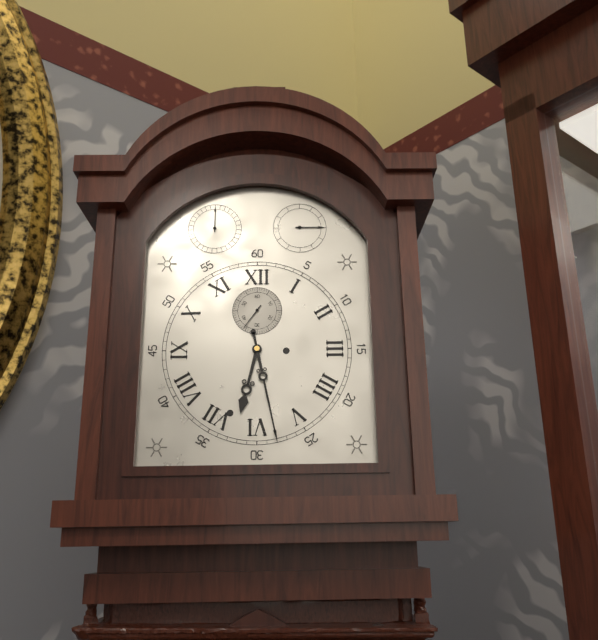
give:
6.28
